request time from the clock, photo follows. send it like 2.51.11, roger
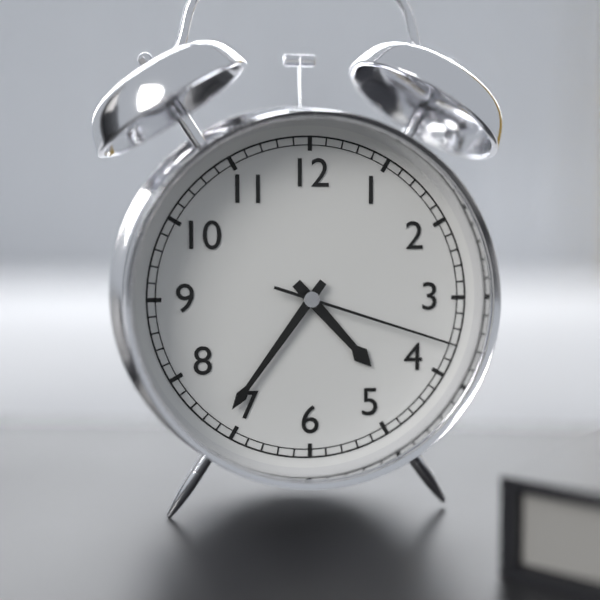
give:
4.36.18
